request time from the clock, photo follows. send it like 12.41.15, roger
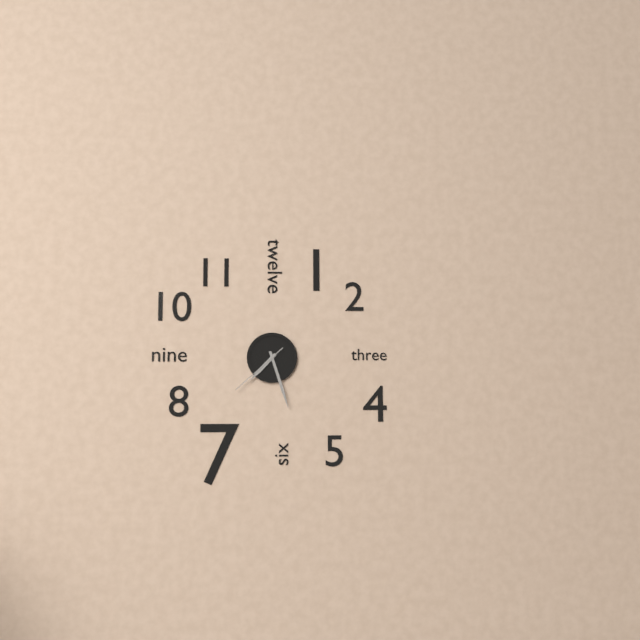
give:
7.27.38
